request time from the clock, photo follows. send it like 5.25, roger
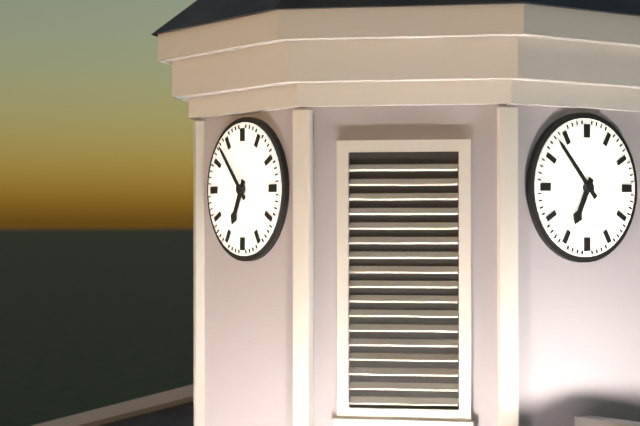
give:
6.53
